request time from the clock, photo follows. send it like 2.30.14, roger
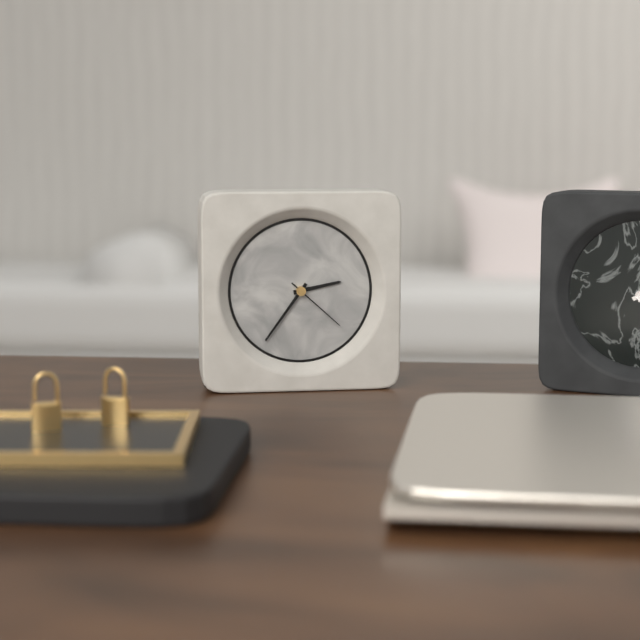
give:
2.36.22
